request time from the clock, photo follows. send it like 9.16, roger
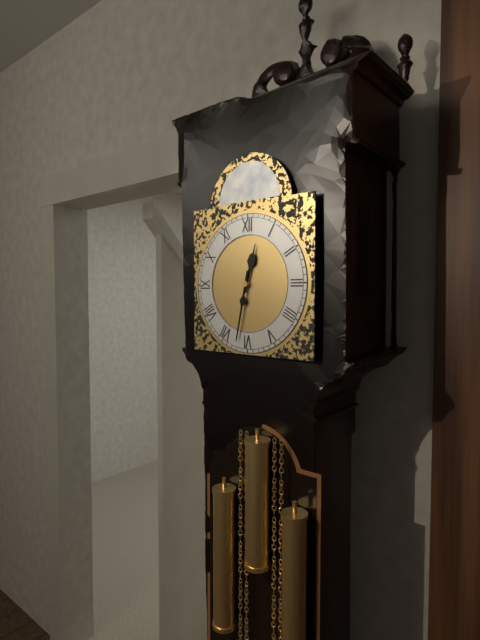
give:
12.32
